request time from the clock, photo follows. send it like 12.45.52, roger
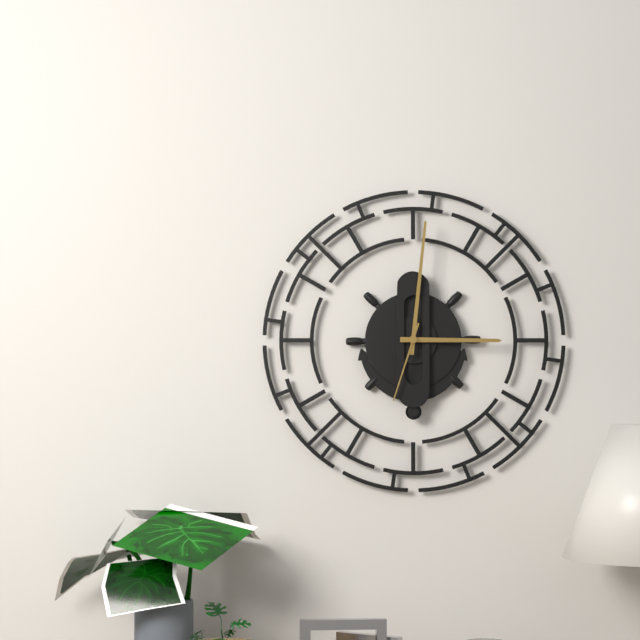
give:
3.01.33
